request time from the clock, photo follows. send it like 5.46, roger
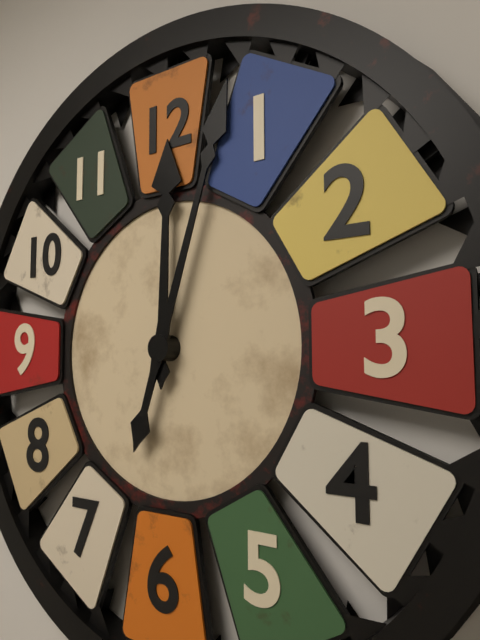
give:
12.03
